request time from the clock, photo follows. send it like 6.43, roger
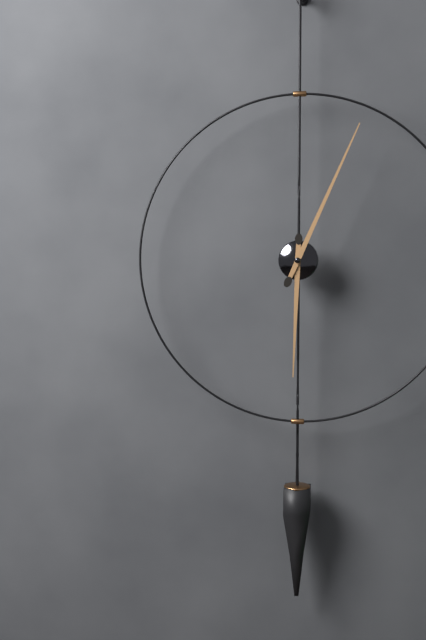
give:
6.04
